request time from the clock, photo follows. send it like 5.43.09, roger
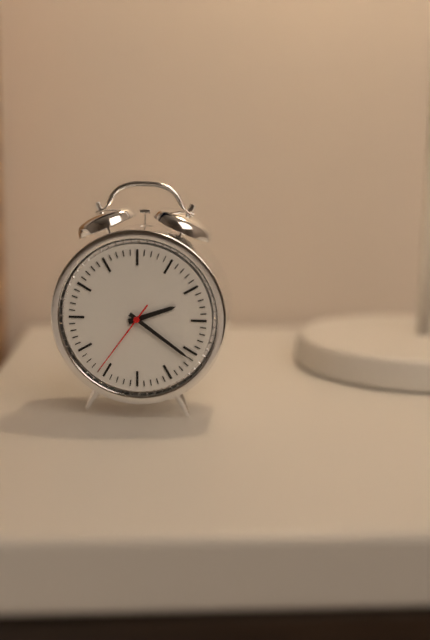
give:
2.21.36
